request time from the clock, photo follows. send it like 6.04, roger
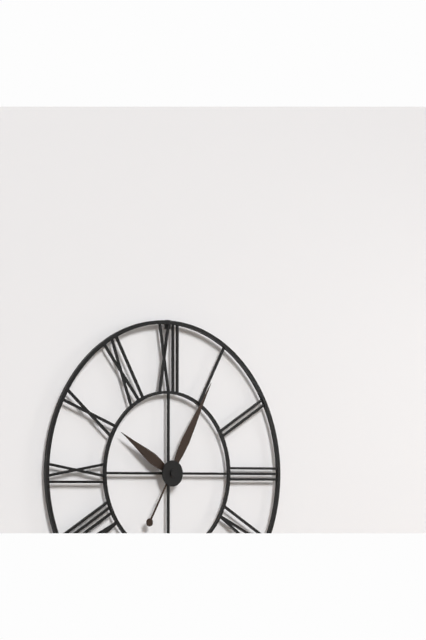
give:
10.05
